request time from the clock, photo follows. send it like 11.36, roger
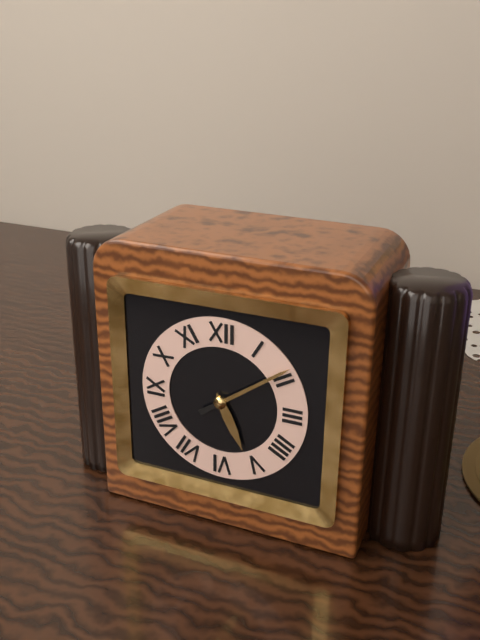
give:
5.09
